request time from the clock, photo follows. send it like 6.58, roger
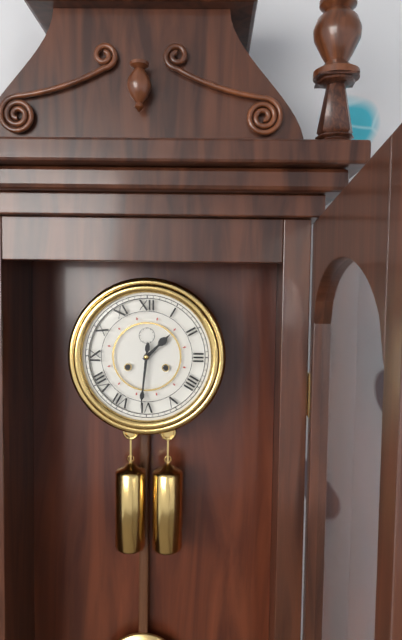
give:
1.31
